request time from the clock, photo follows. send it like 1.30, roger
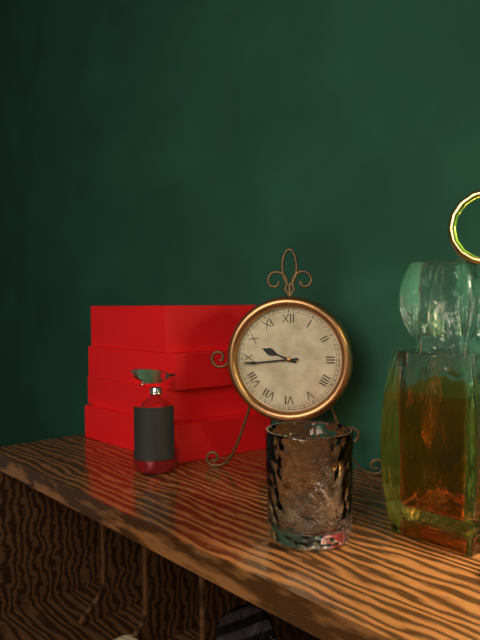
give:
9.44
